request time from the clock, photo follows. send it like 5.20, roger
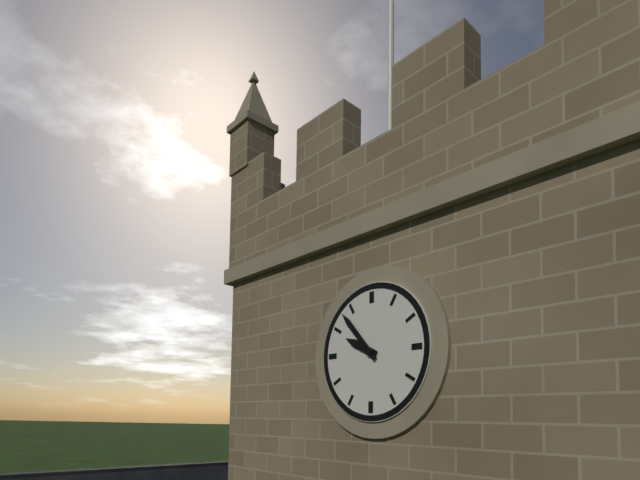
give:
9.53
